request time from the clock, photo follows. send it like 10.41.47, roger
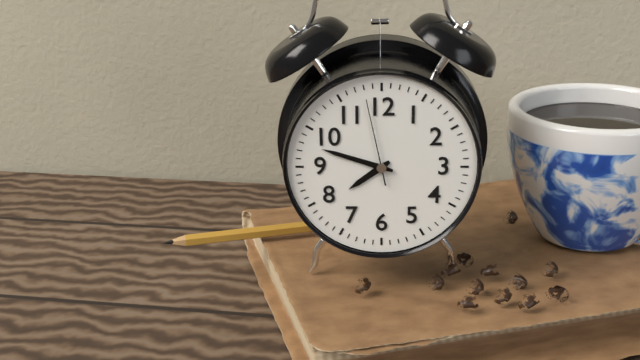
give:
7.48.58
